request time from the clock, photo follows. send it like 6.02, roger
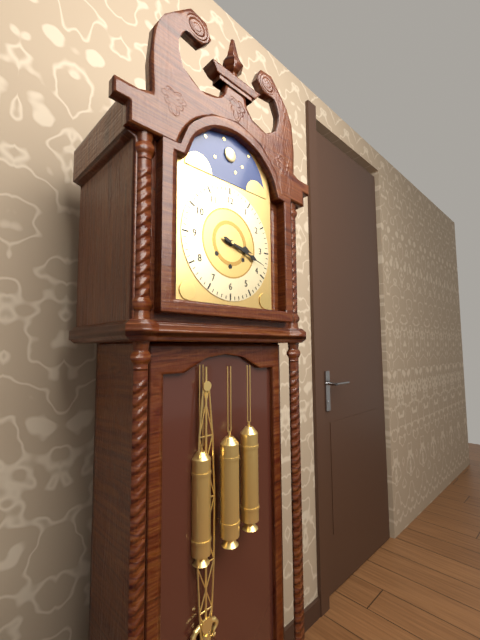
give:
3.18
